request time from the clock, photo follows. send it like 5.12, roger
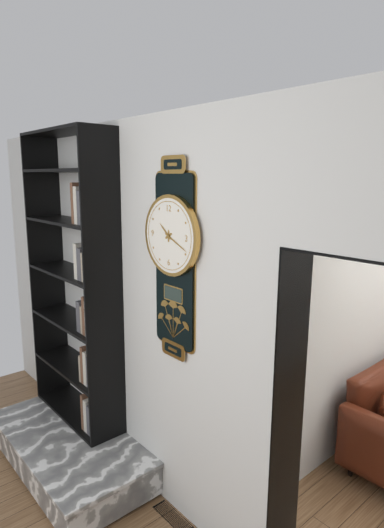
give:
10.19
